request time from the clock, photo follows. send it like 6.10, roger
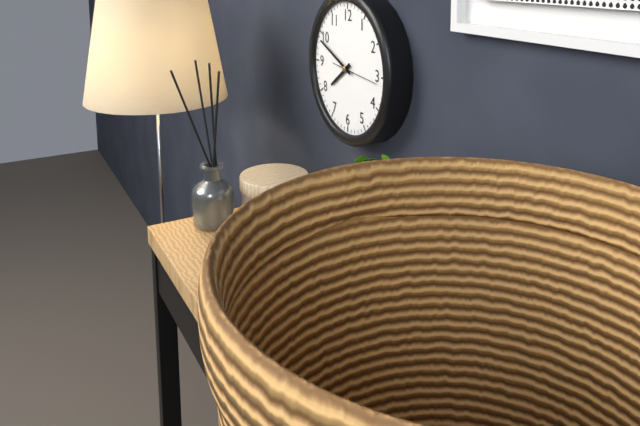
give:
7.49
